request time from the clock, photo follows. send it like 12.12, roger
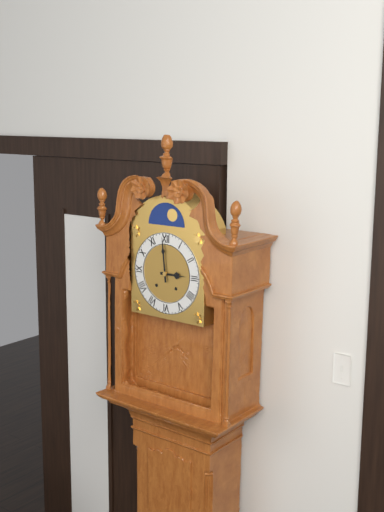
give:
2.59
